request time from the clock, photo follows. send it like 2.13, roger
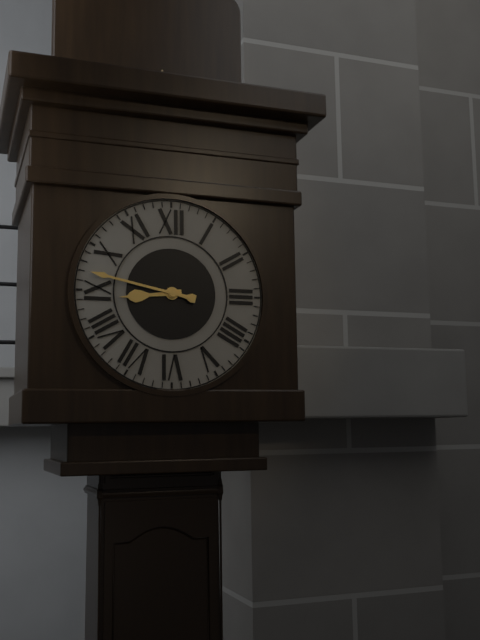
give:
8.47
